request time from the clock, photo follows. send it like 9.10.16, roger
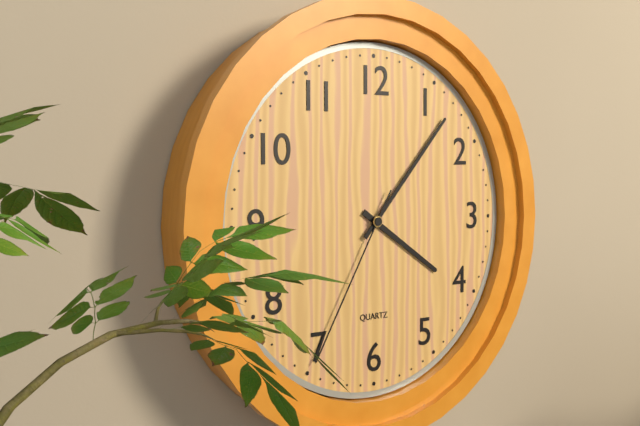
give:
4.07.35
